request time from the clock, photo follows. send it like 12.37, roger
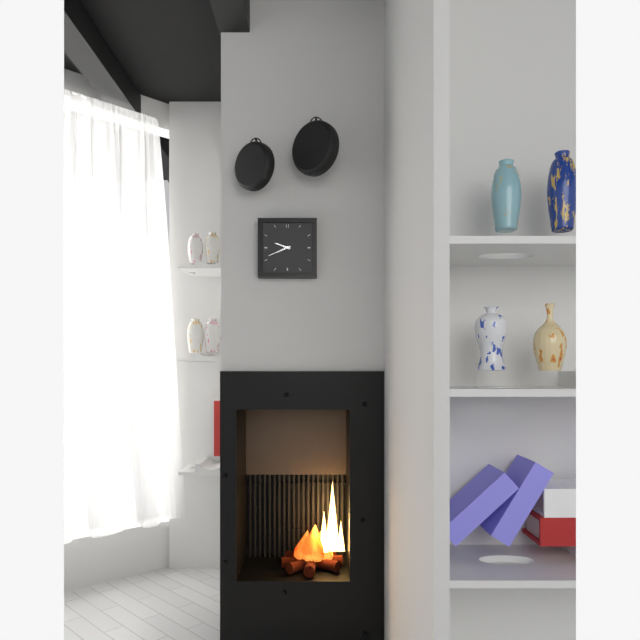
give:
9.41
